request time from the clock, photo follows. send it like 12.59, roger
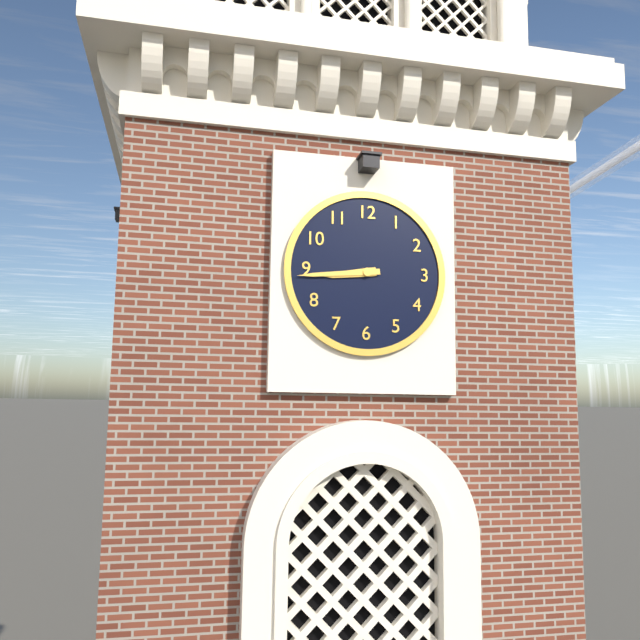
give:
8.44
